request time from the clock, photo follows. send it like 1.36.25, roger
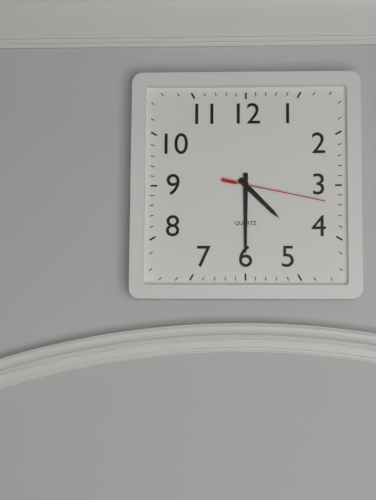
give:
4.30.17
